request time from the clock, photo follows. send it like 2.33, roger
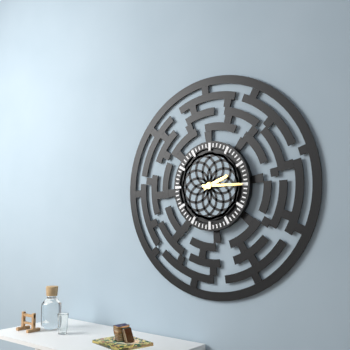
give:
2.15
